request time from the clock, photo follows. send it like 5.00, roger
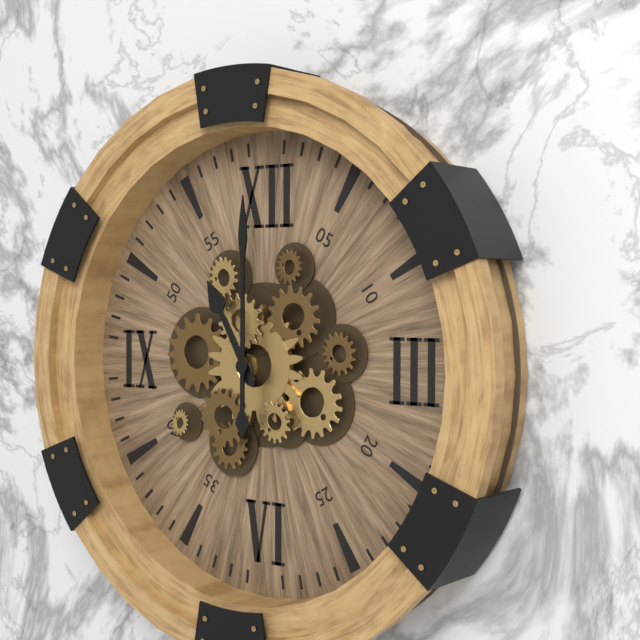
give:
11.00
